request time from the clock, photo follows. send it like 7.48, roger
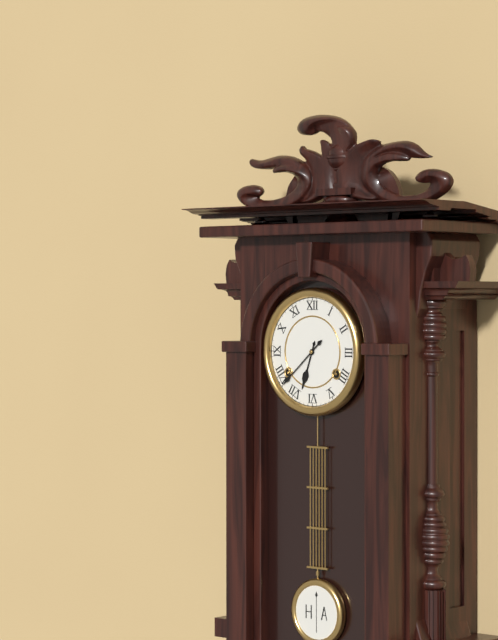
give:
6.38
